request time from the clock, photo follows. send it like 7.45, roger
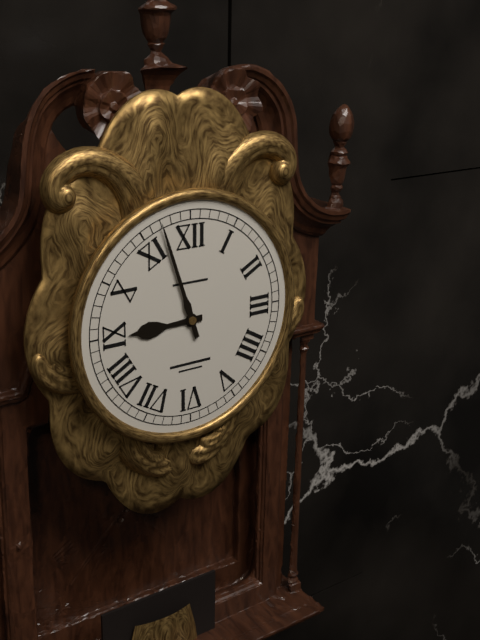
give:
8.57
